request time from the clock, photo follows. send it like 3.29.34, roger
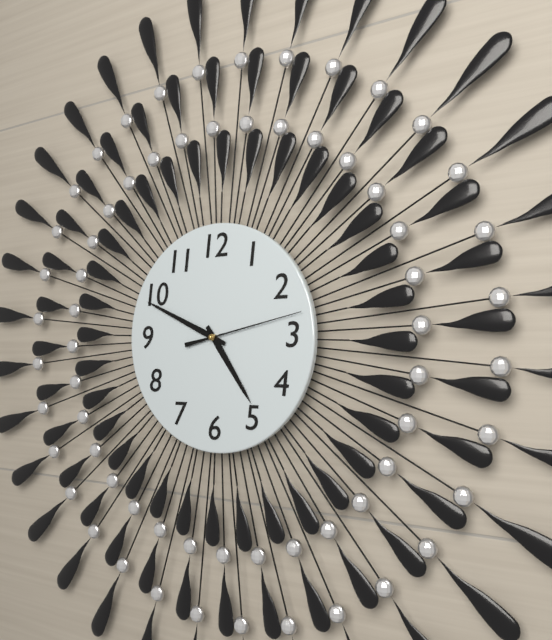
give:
4.49.13
